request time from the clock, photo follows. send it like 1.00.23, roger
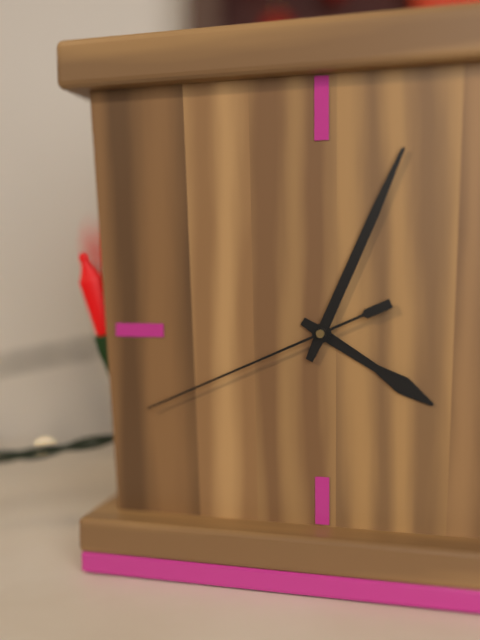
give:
4.04.41
